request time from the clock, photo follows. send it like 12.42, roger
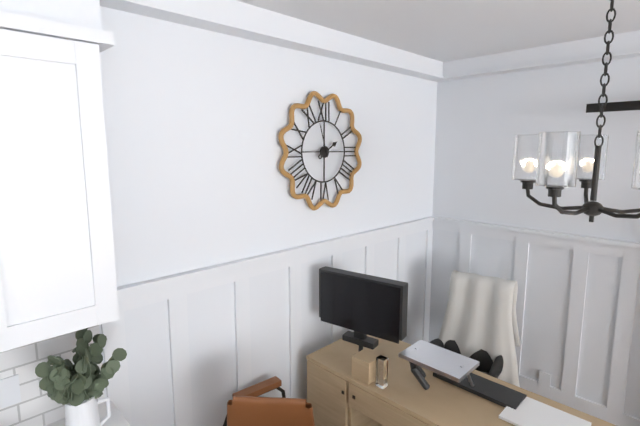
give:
1.57
